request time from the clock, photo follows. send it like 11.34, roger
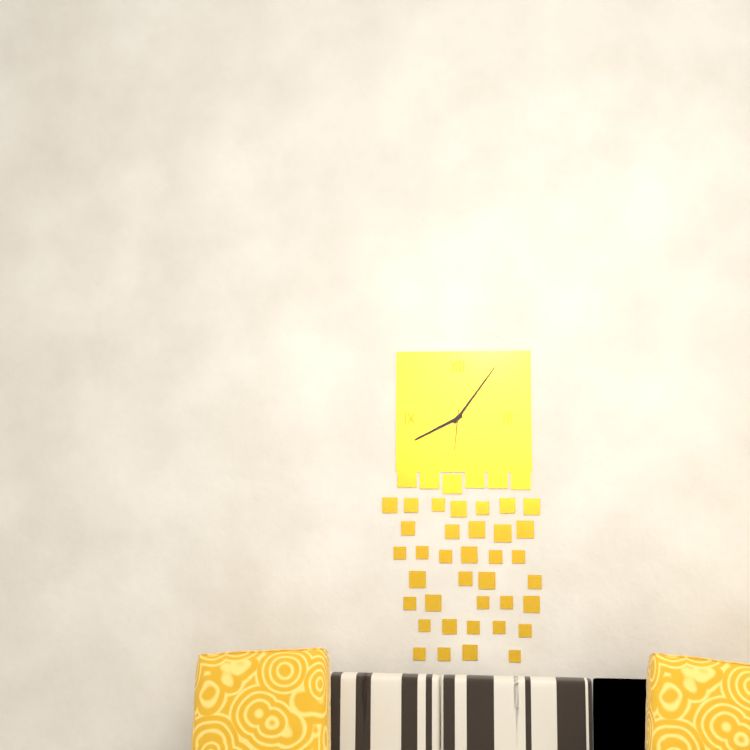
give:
8.06
